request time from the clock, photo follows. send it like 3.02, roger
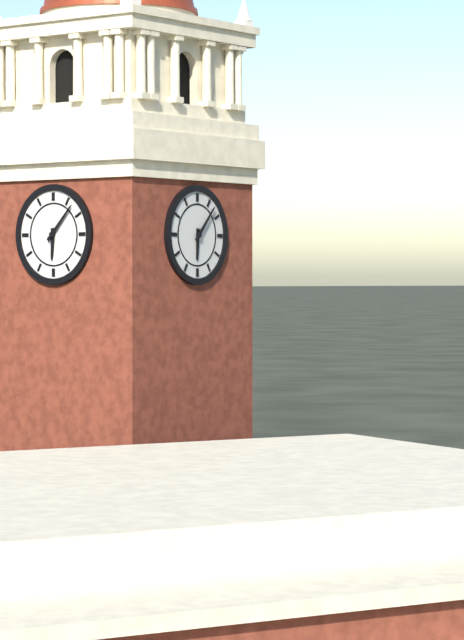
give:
6.07
